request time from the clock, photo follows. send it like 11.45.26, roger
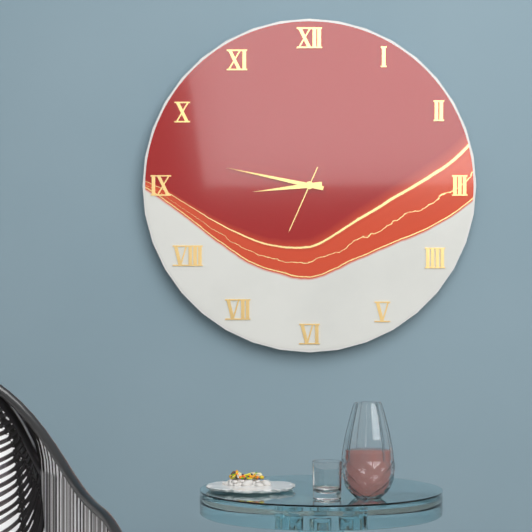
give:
8.47.34
